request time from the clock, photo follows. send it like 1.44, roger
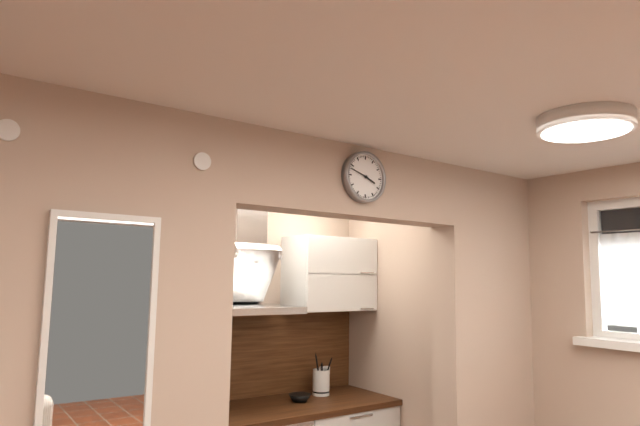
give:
3.48
